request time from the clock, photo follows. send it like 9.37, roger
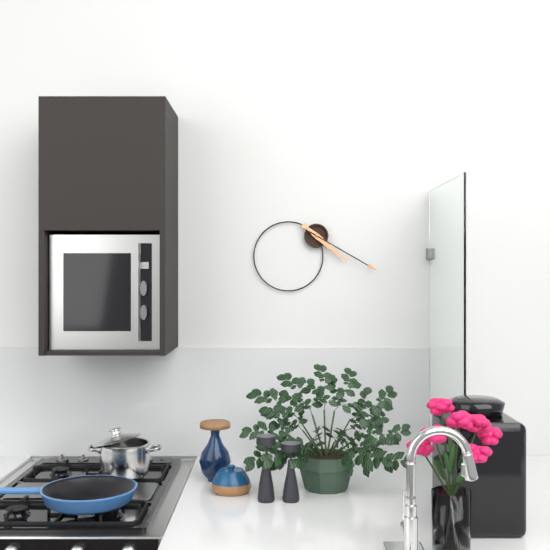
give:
4.20
